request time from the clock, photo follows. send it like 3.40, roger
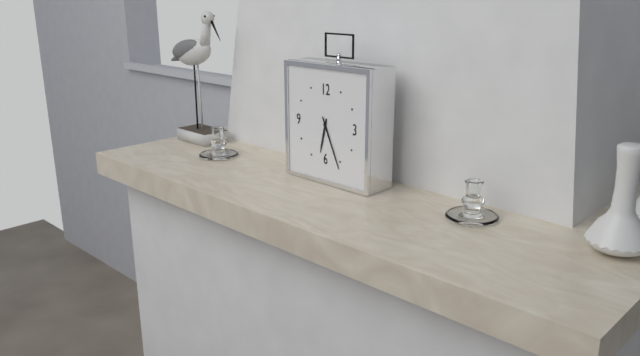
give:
6.26
